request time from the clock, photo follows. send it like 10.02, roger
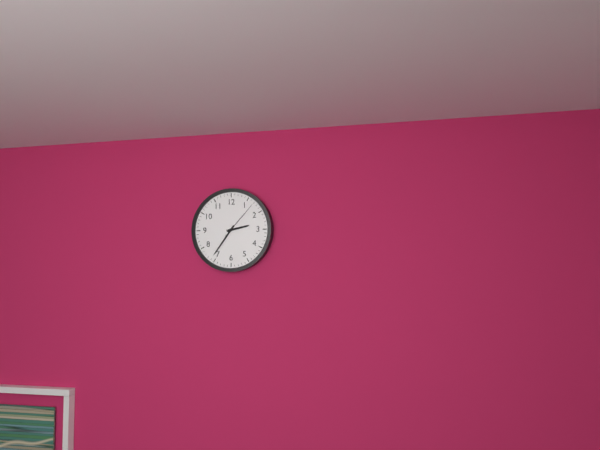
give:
2.36
